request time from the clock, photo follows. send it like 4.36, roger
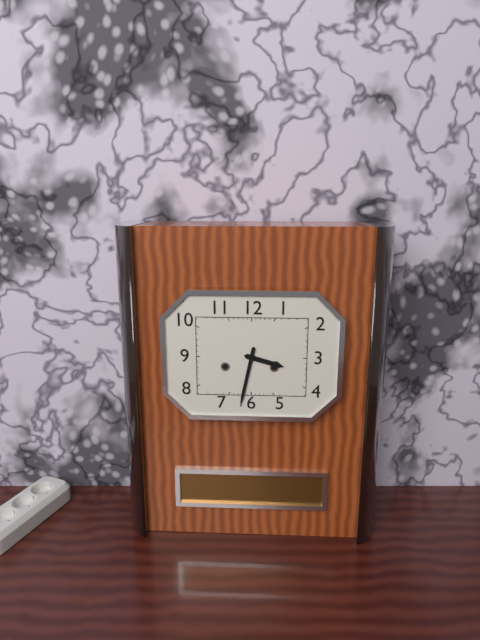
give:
3.32
